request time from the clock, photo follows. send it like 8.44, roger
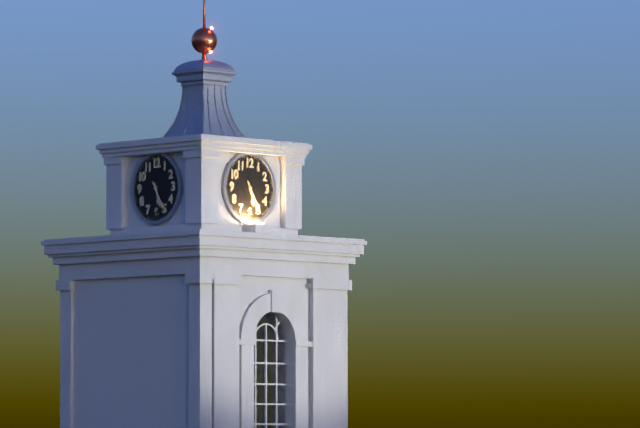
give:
5.25
